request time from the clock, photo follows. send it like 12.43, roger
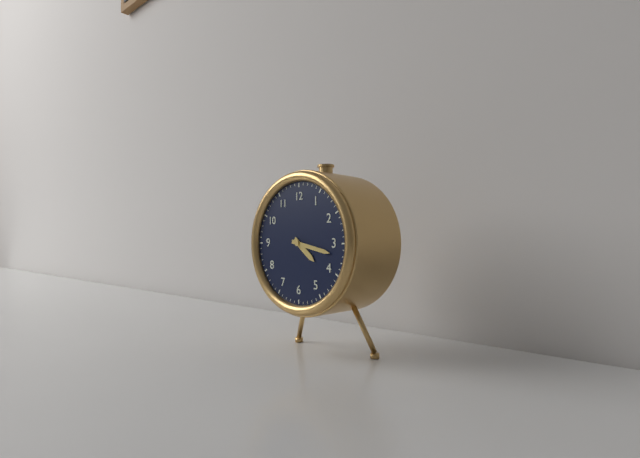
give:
4.17
